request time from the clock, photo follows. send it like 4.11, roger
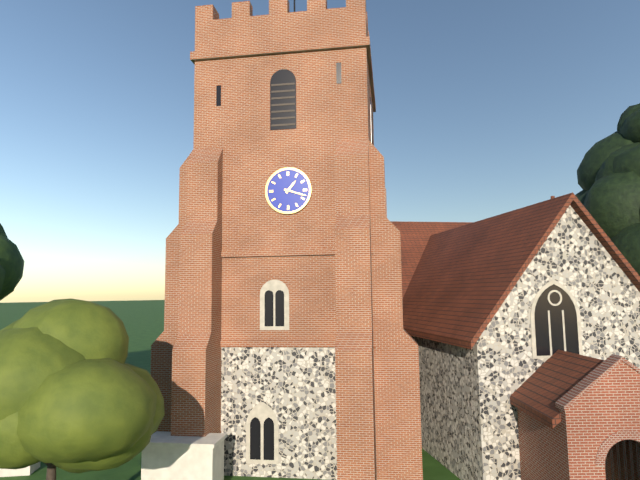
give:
1.18
